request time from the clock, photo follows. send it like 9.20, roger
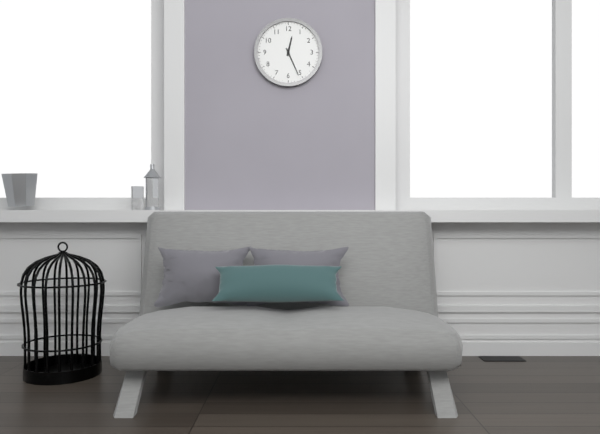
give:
12.26
